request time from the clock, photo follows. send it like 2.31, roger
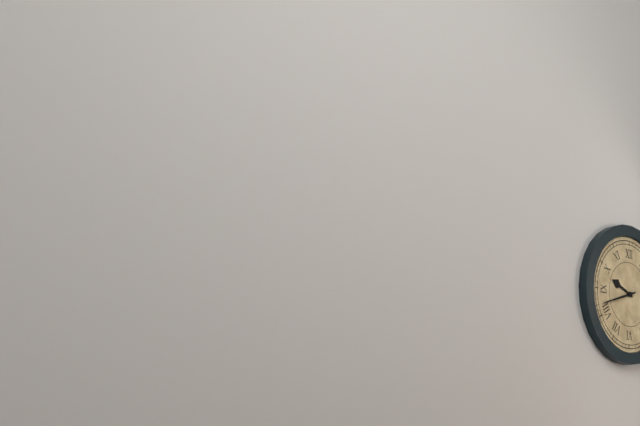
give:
9.42
